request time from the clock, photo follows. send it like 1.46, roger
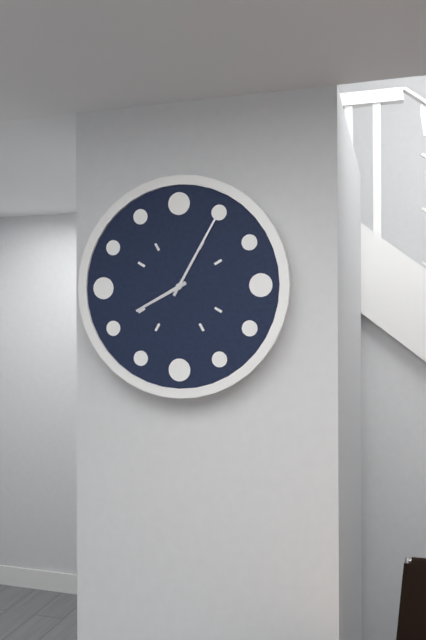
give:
8.05
